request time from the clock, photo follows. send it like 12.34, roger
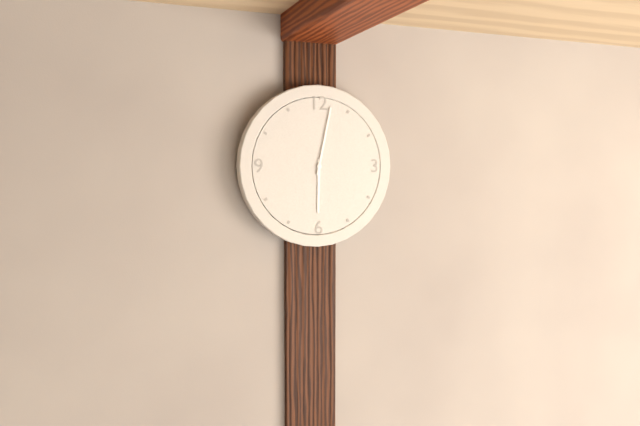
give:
6.02
